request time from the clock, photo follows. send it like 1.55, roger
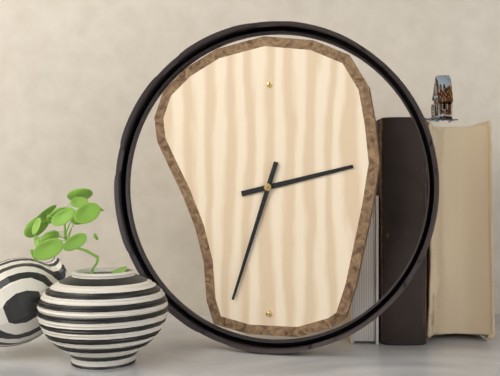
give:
2.33
